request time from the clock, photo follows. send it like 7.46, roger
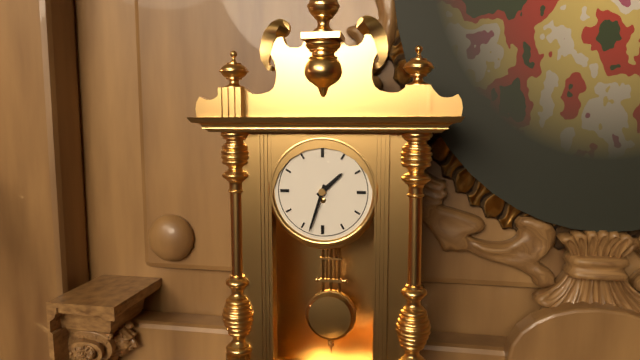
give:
1.33
